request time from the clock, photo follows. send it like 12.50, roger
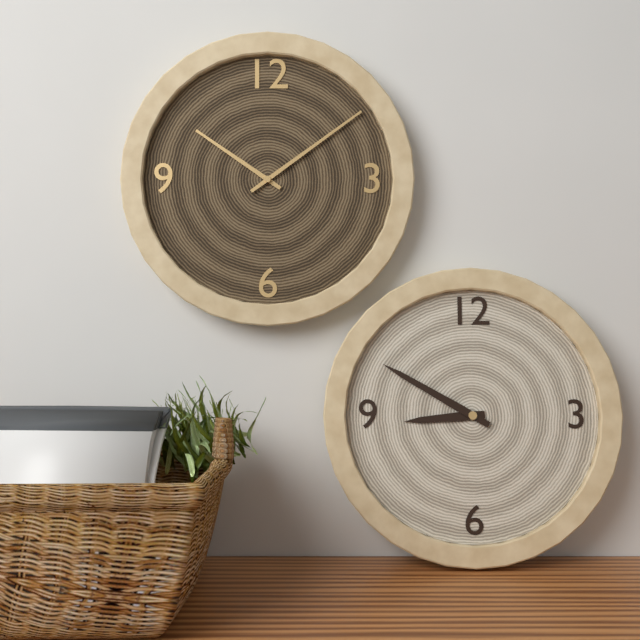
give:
8.50
